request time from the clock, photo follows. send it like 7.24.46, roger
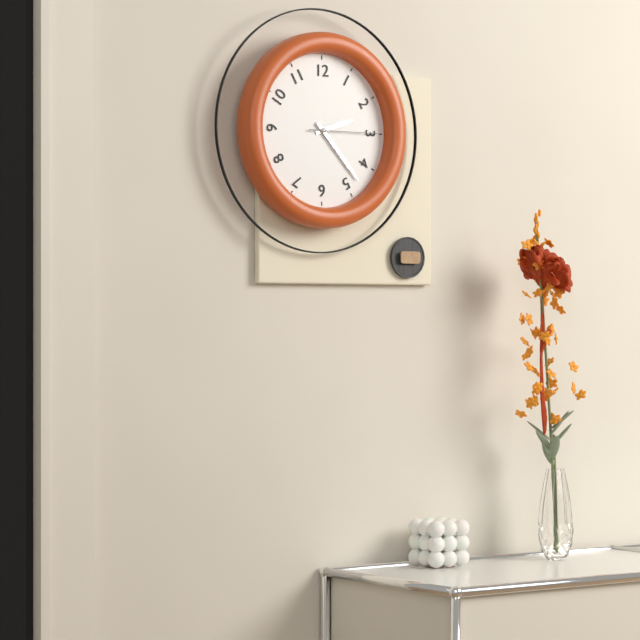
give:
2.23.15
